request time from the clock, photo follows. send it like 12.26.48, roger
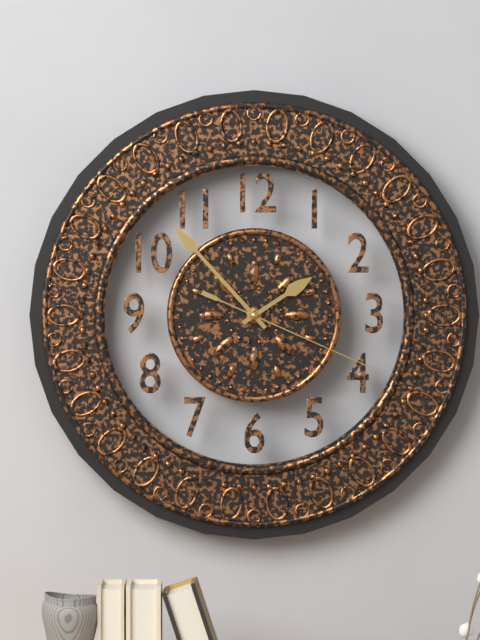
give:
1.53.19
